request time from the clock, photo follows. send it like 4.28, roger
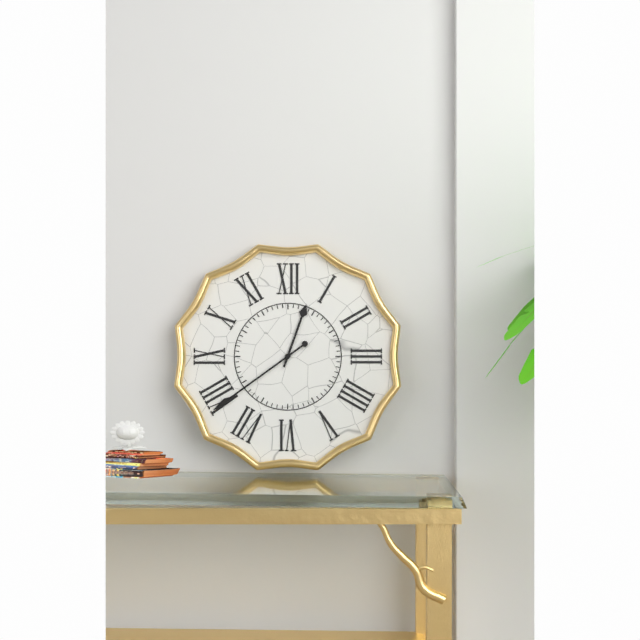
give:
12.39
